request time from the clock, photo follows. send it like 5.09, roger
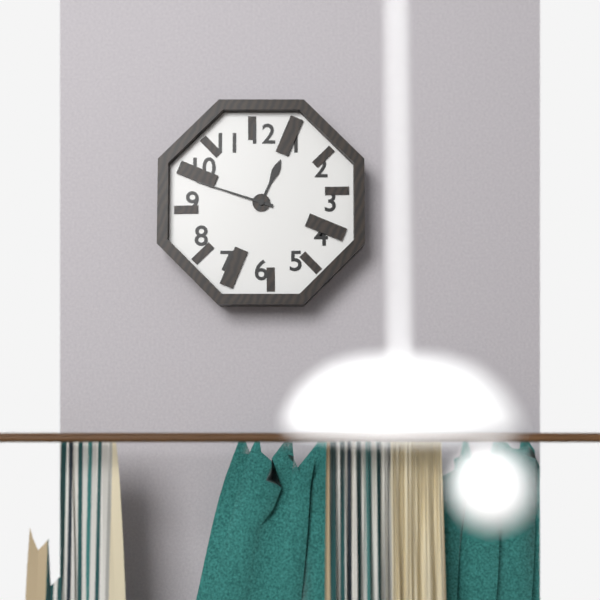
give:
12.48
